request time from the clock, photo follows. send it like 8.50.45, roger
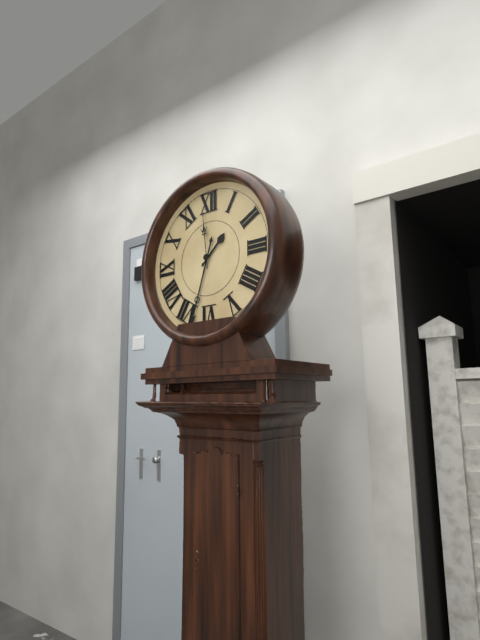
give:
1.33.59
